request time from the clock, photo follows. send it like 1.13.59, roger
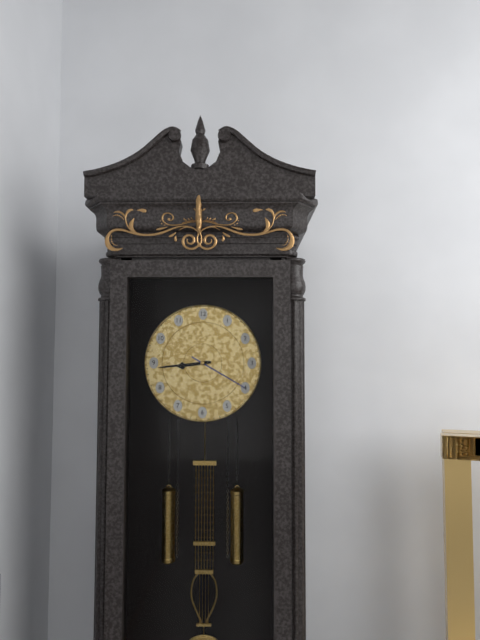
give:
8.44.20
